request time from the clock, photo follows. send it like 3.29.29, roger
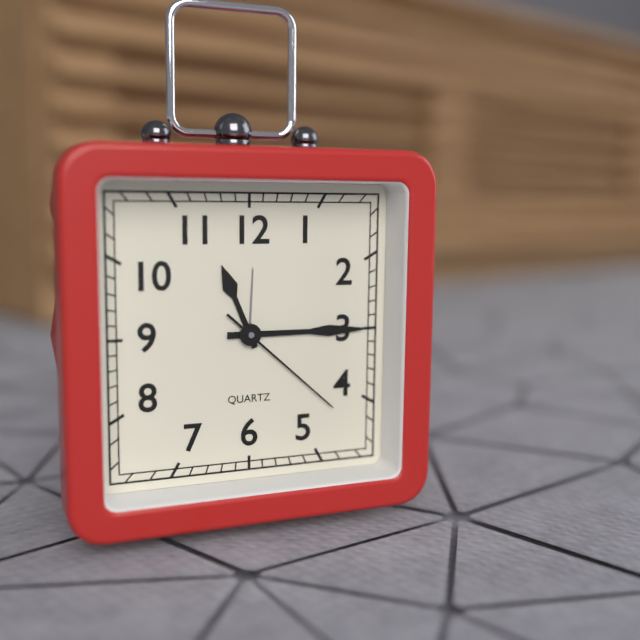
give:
11.15.22
